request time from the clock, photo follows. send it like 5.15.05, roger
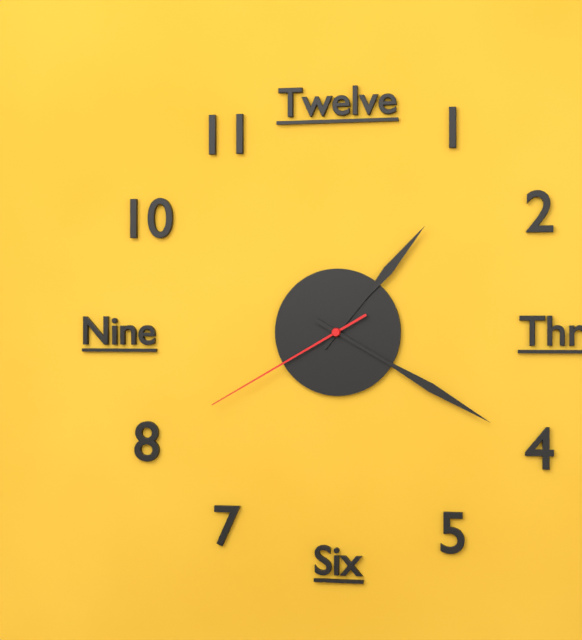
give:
1.20.40
